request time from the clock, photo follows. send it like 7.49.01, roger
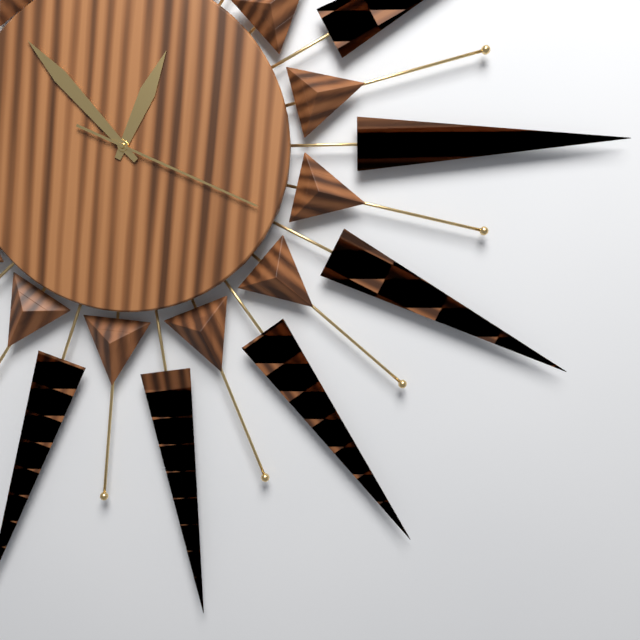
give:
12.53.19
